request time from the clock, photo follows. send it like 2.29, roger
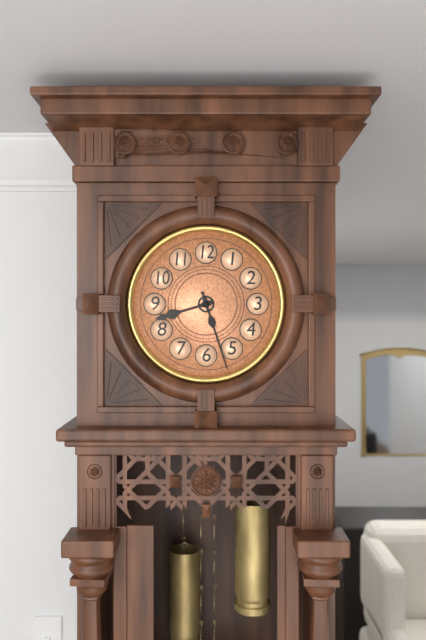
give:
8.27
